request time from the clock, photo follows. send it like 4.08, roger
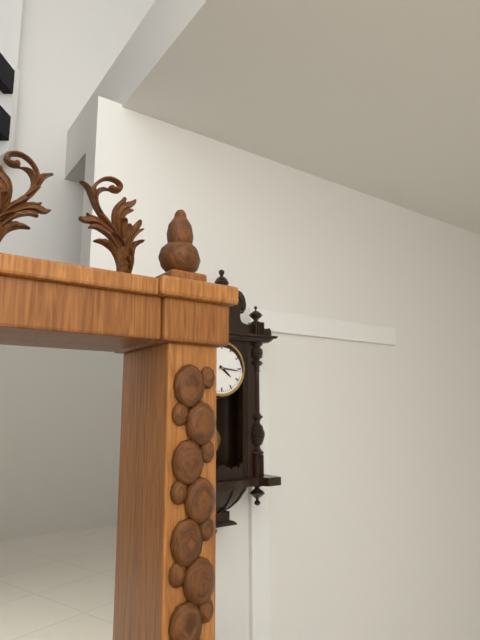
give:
4.16
